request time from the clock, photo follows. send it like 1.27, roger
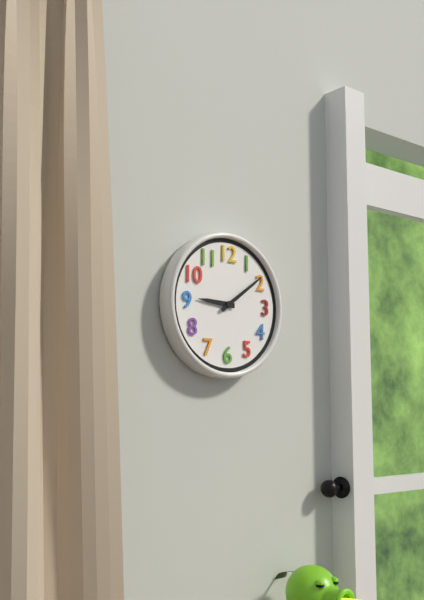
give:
9.09
